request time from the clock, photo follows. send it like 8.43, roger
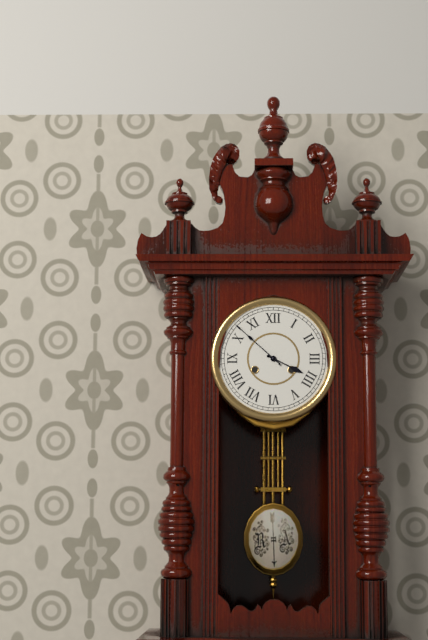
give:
3.52
